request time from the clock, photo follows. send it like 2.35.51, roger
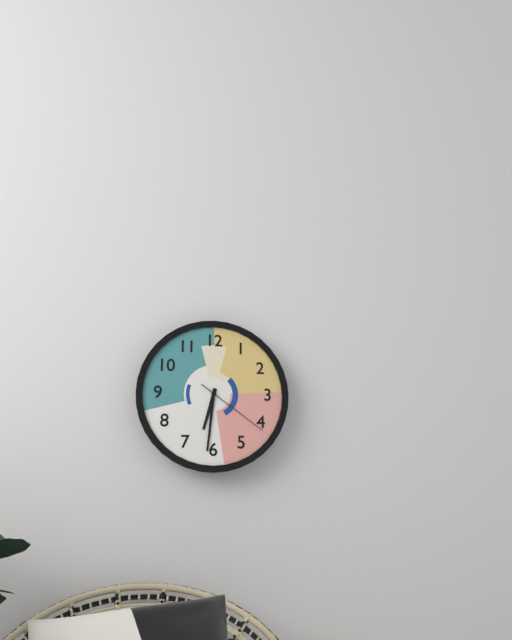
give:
6.31.21
